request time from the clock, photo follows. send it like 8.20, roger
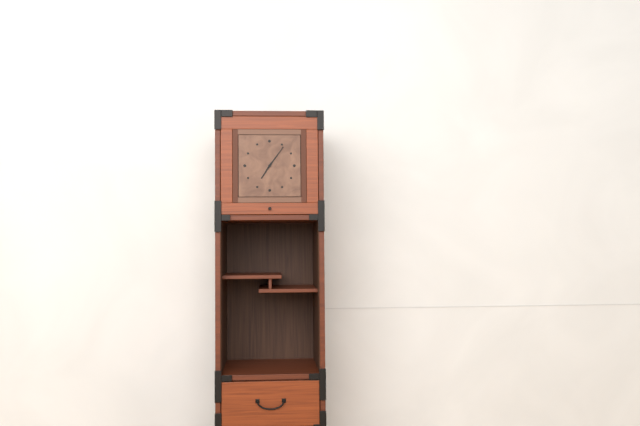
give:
7.06
